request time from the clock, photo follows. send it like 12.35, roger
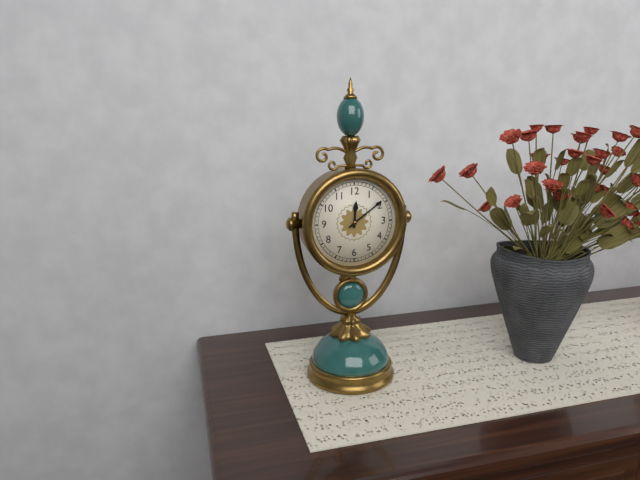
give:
12.09
